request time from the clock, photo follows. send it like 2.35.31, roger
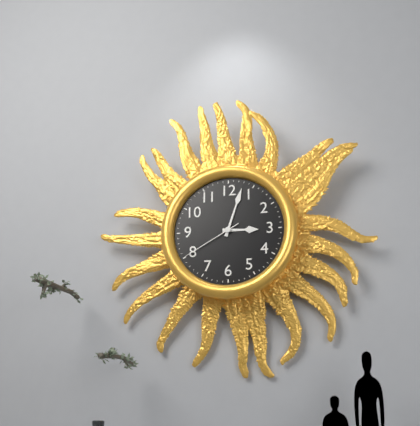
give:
3.03.40
